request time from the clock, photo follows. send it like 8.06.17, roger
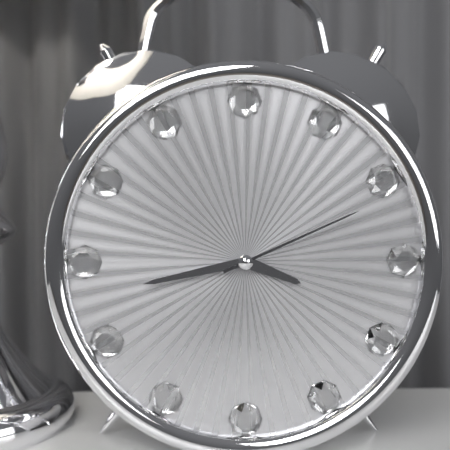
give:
3.43.11
